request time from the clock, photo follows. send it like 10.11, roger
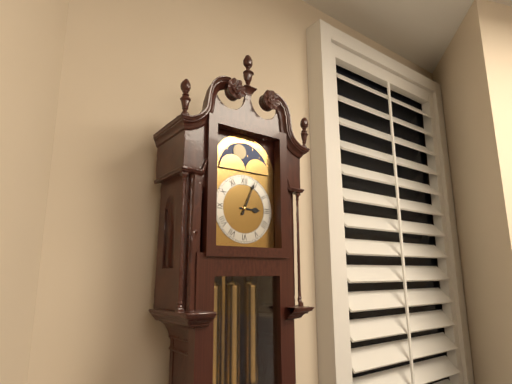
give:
3.04
